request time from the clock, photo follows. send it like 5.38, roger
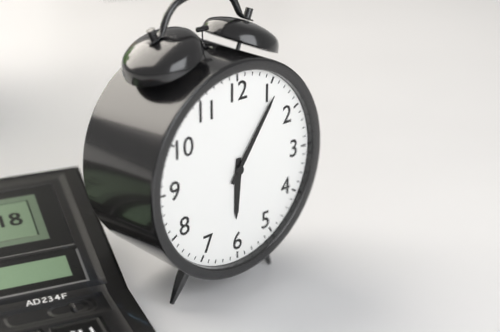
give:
6.06
